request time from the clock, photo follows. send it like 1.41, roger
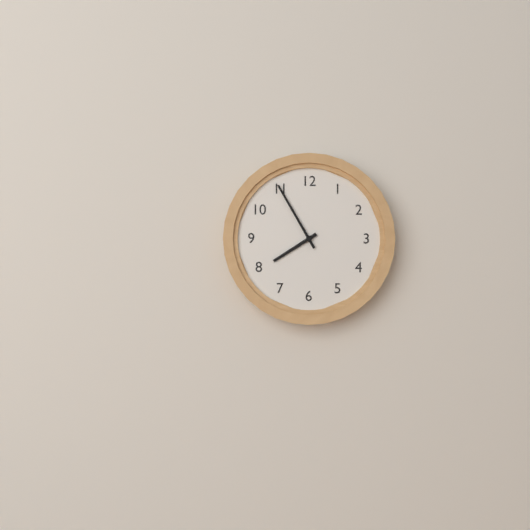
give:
7.55
